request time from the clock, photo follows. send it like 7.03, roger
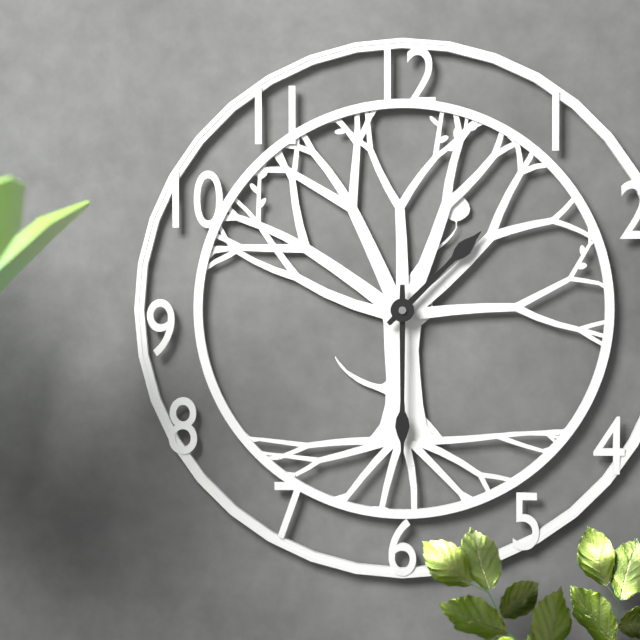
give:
1.30
